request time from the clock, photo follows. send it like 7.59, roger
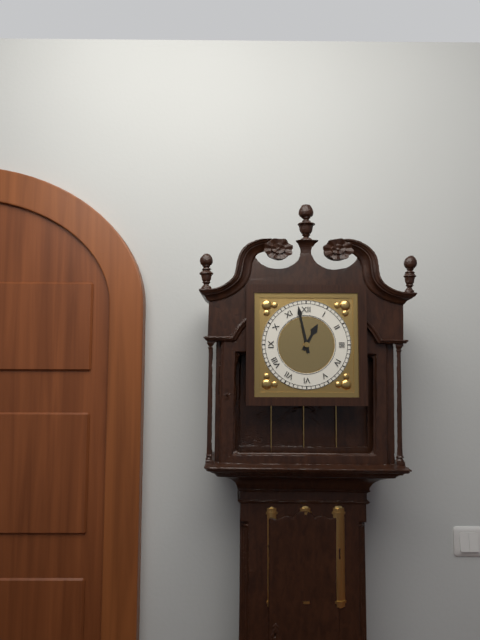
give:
12.58
